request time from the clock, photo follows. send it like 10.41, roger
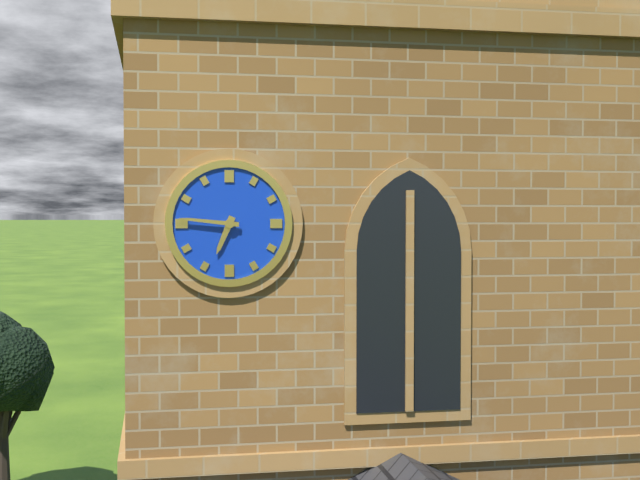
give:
6.46
